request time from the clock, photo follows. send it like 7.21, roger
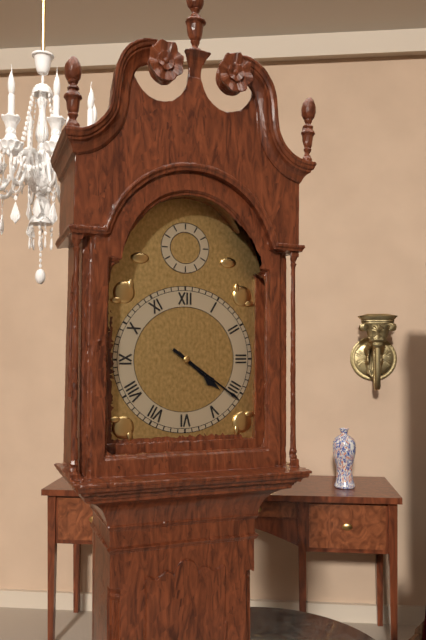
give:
4.21
